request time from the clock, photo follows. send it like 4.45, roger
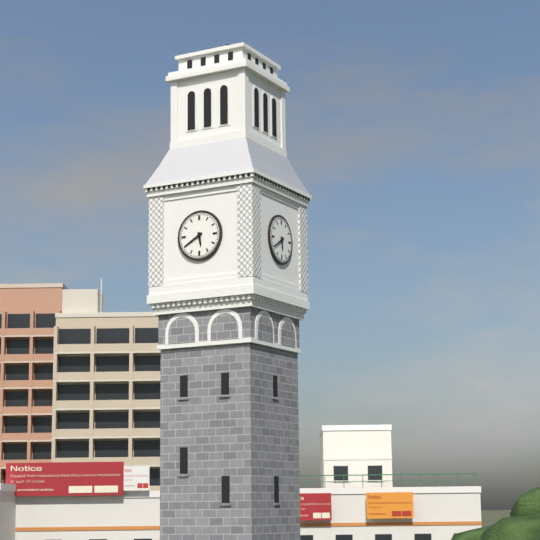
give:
5.40
